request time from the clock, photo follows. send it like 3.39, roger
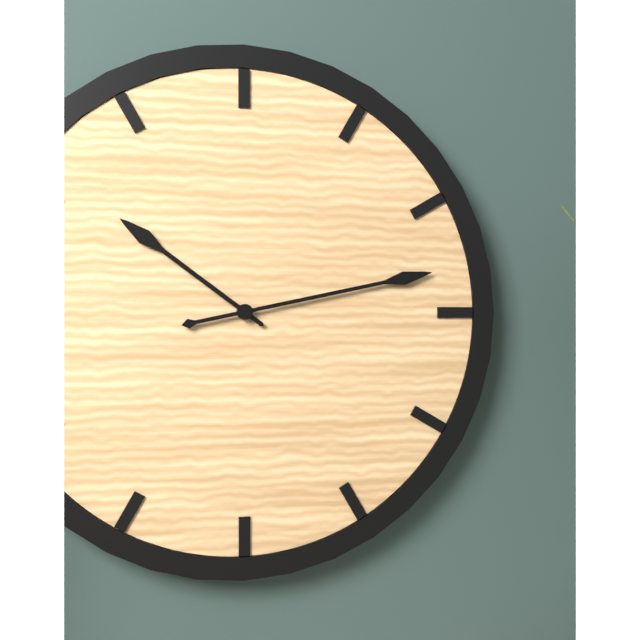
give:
10.13
